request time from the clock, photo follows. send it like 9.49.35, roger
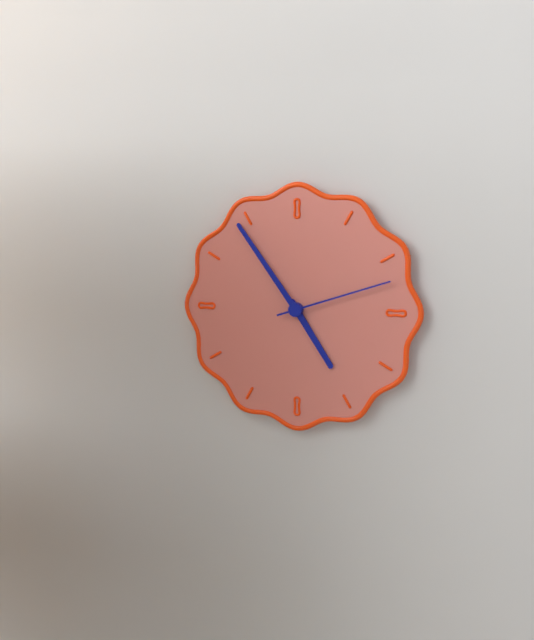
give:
4.54.12
